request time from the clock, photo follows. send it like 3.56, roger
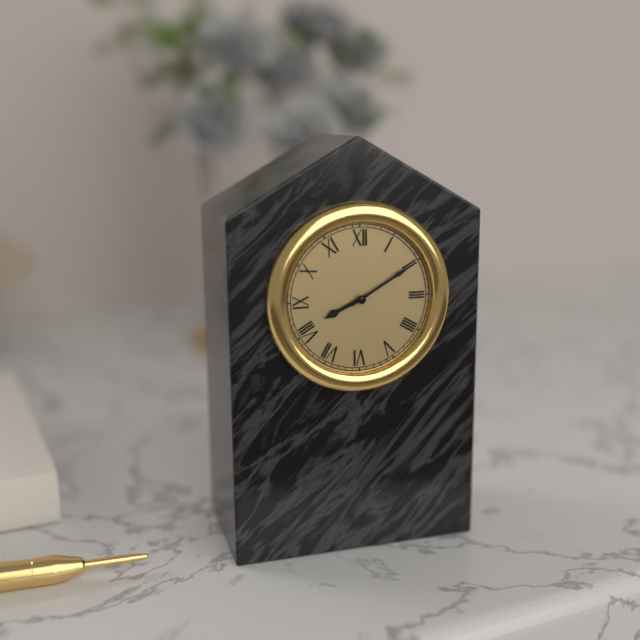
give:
8.10
